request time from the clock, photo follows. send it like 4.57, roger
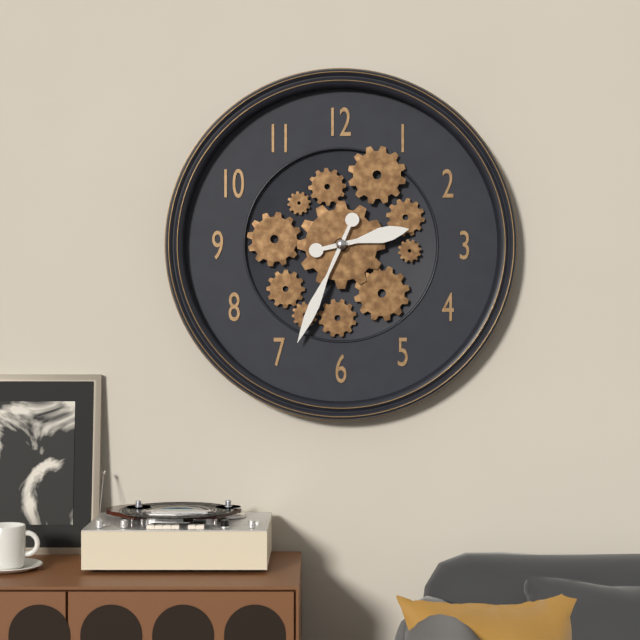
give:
2.34
